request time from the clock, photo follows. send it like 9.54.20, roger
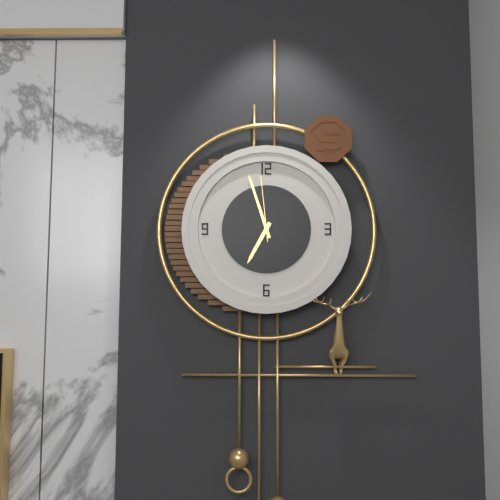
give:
6.57.59
